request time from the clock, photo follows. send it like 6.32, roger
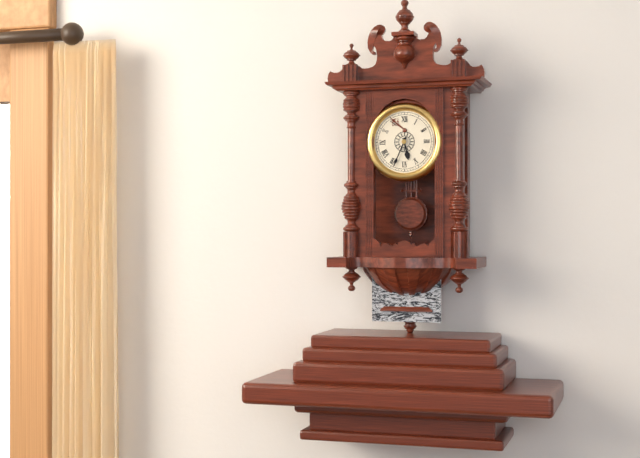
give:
5.34
